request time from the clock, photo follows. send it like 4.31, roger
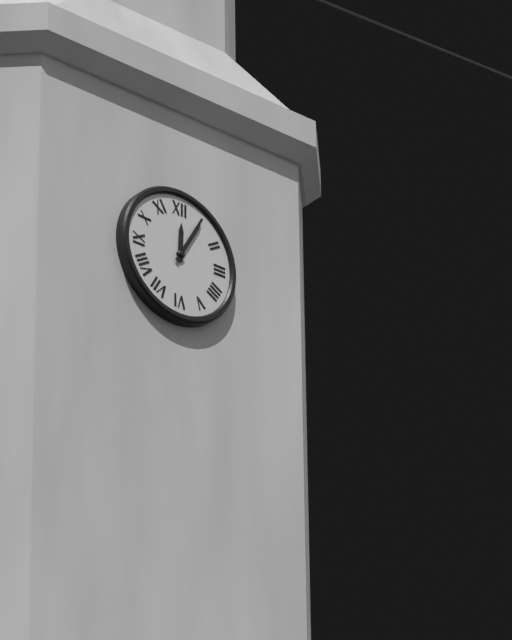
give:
12.05
